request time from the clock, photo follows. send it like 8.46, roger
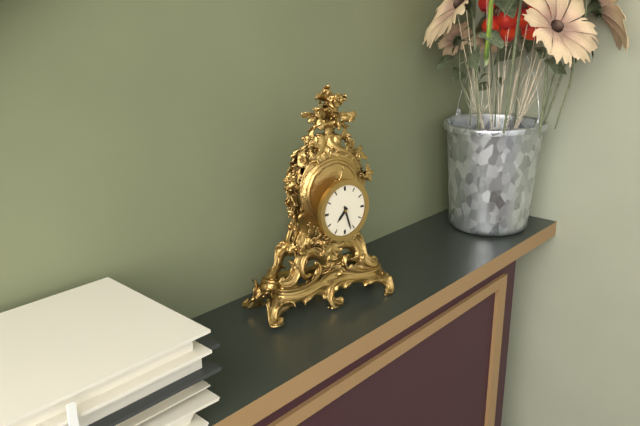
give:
7.27
